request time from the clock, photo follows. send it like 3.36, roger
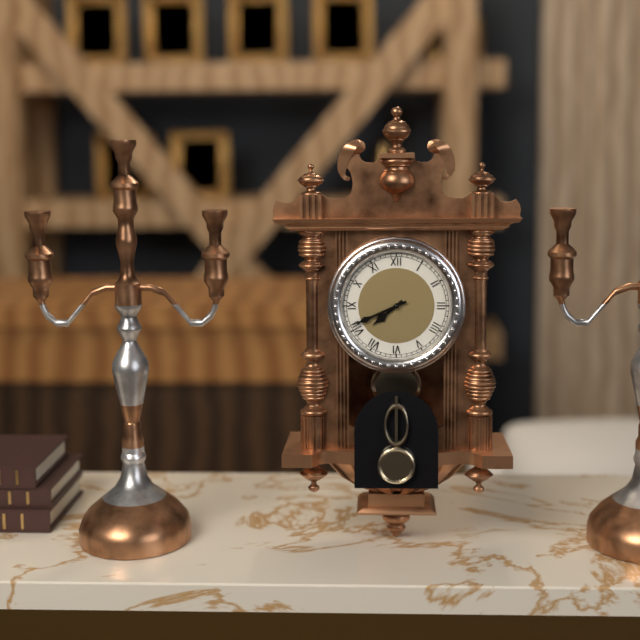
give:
7.41
